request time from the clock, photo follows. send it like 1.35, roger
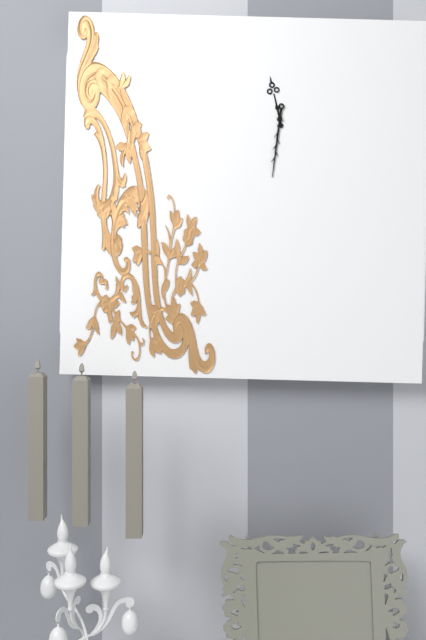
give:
11.31
